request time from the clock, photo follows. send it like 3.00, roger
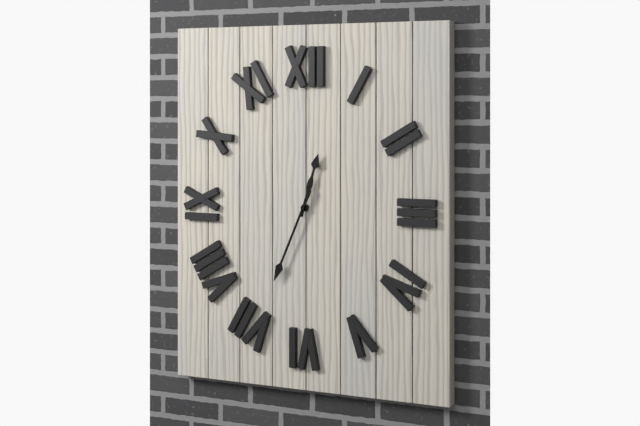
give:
12.34
